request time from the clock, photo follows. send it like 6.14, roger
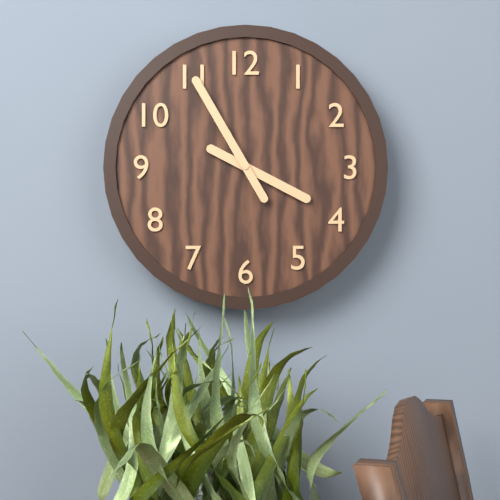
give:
3.55
